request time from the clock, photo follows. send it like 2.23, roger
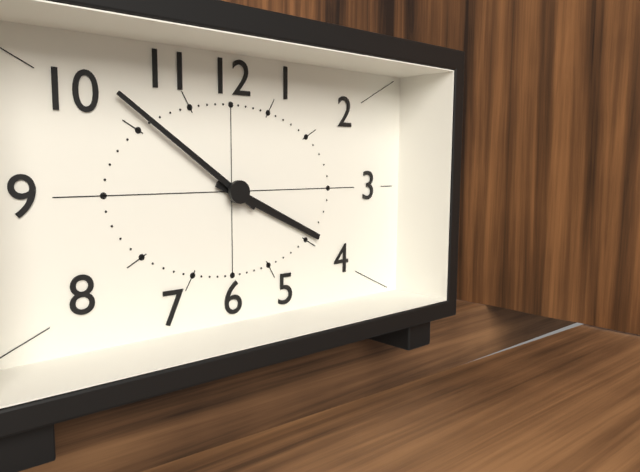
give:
3.51
